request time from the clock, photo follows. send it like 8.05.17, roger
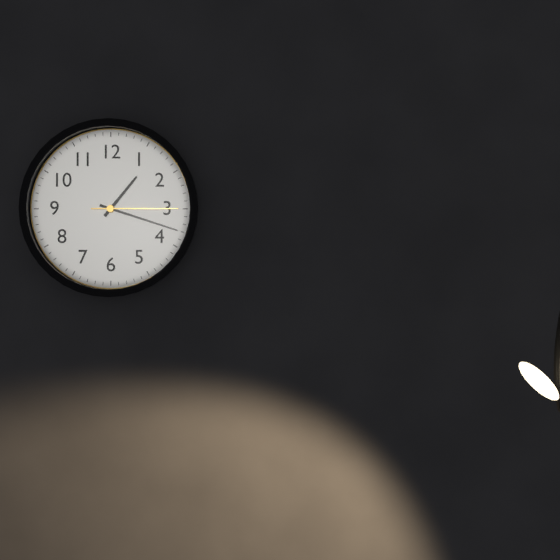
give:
1.18.15
